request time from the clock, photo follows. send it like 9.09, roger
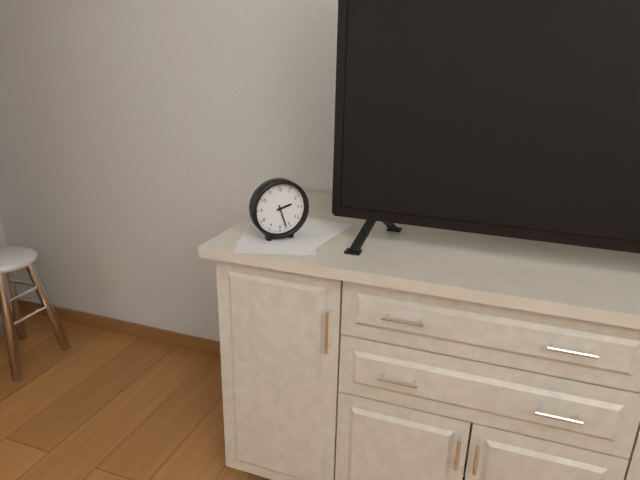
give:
2.27
